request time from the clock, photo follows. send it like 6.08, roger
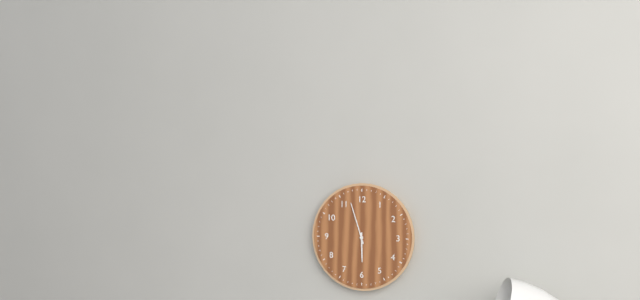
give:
5.57
